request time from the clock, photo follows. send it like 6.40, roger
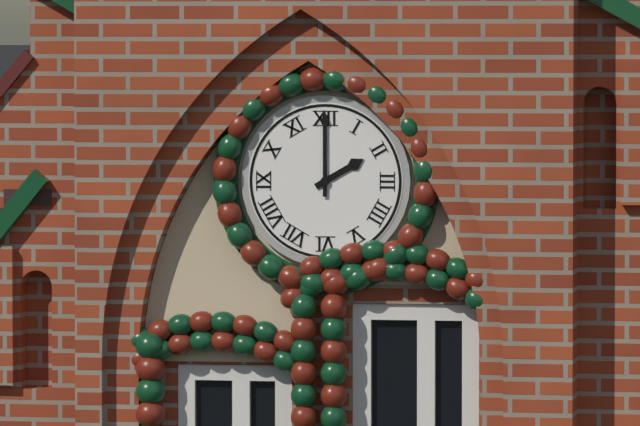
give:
2.00
